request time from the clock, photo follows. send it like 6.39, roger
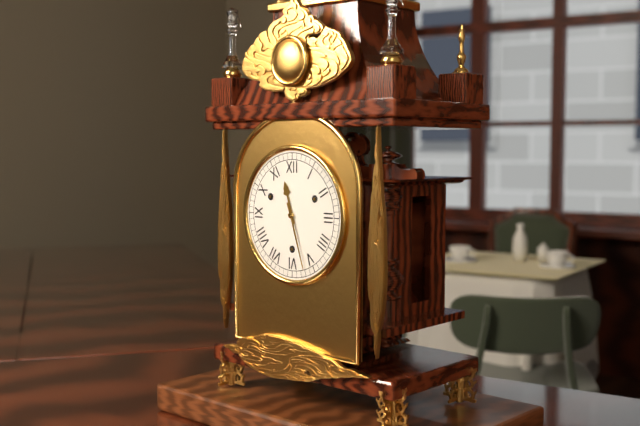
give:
11.27
